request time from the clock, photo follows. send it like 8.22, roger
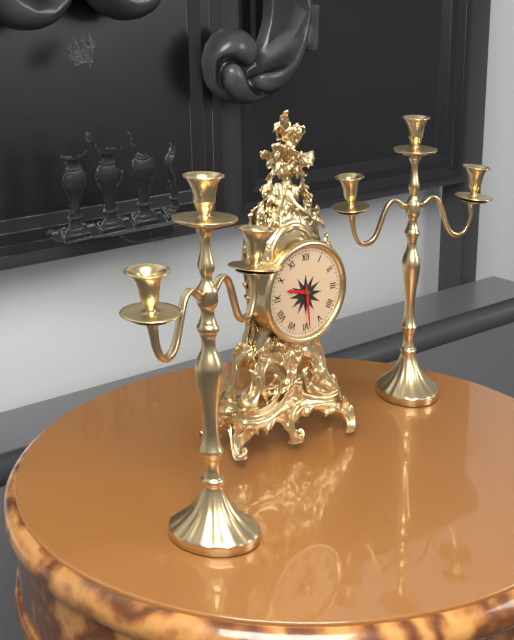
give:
9.29
